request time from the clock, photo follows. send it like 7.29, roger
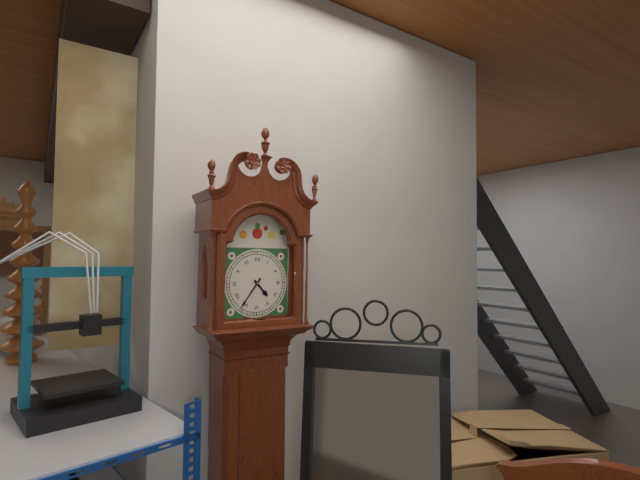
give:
4.36
